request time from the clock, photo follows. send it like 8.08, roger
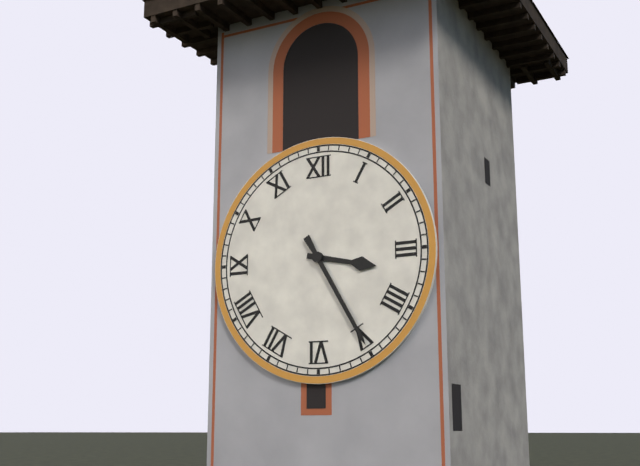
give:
3.25
